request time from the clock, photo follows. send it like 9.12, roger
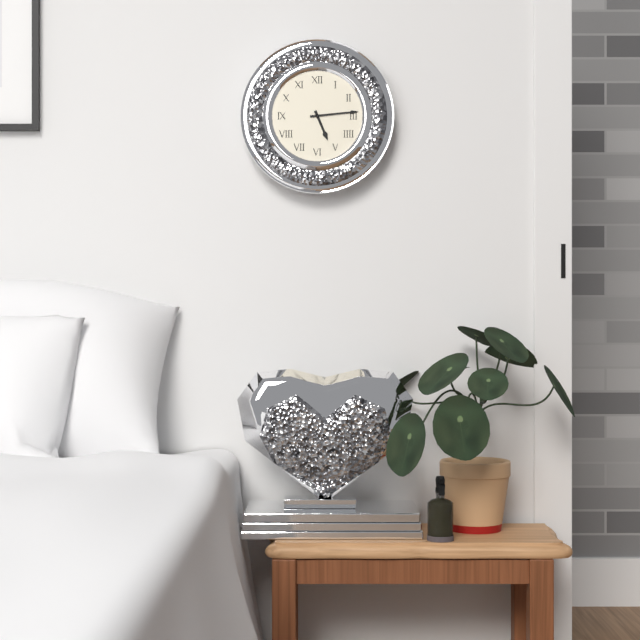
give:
5.14
